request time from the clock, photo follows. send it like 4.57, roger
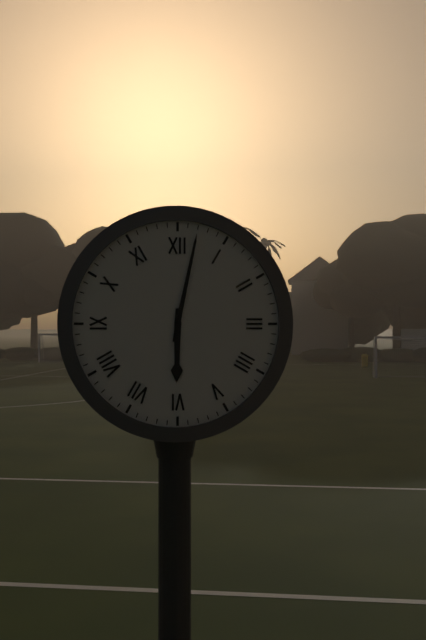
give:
6.02
